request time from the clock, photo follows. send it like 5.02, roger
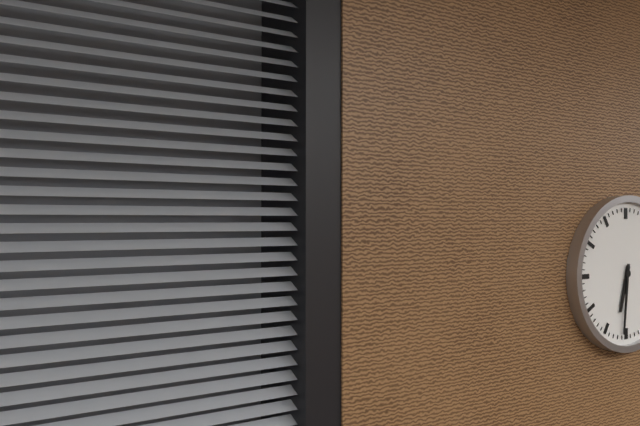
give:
6.31
